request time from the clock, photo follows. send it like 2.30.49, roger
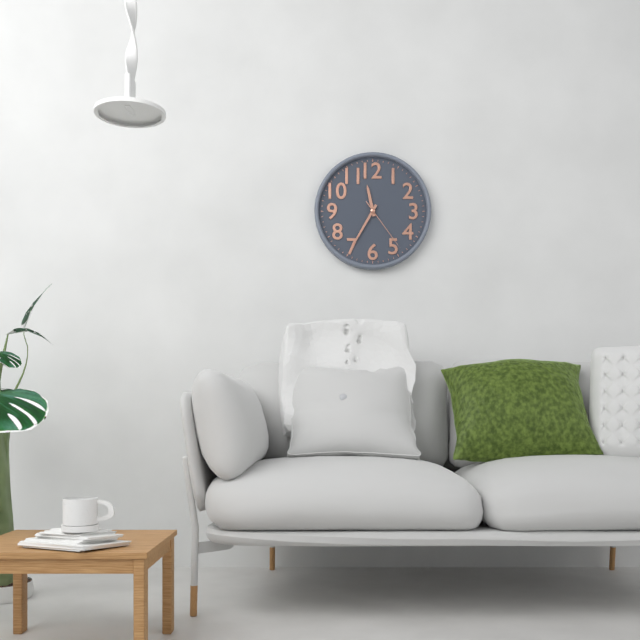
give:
11.35.24
